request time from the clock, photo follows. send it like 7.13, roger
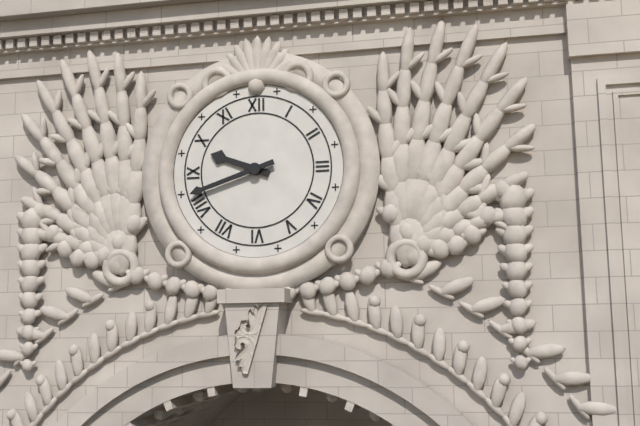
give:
9.42
